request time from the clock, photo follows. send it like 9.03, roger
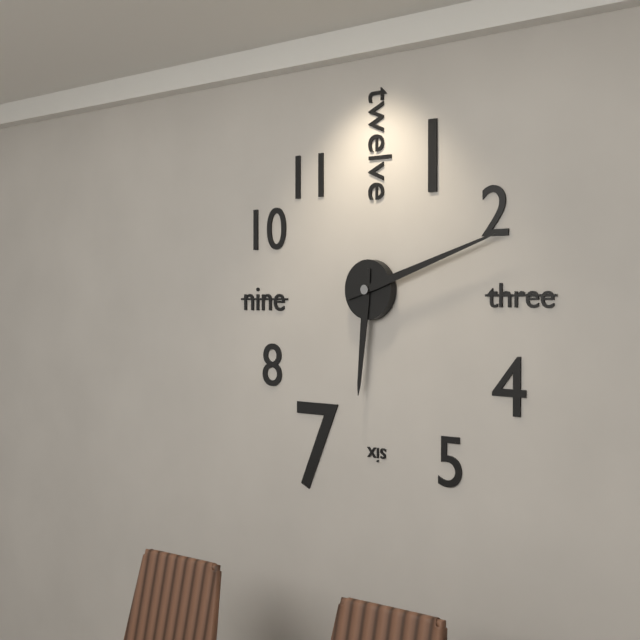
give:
6.12
